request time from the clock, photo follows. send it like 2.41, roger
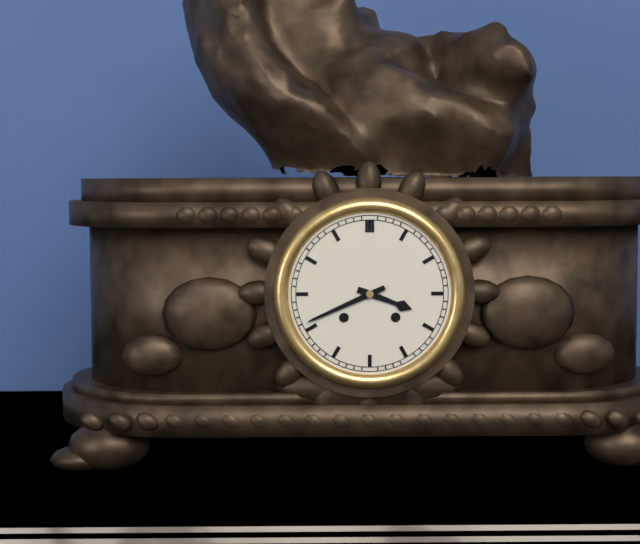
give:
3.41
